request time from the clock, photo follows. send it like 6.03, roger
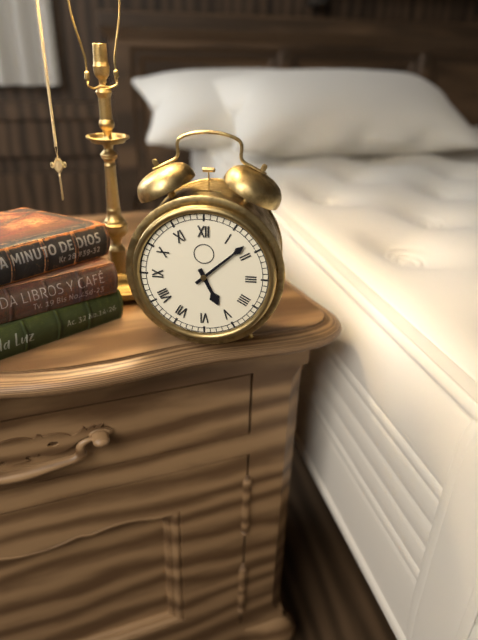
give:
5.08
